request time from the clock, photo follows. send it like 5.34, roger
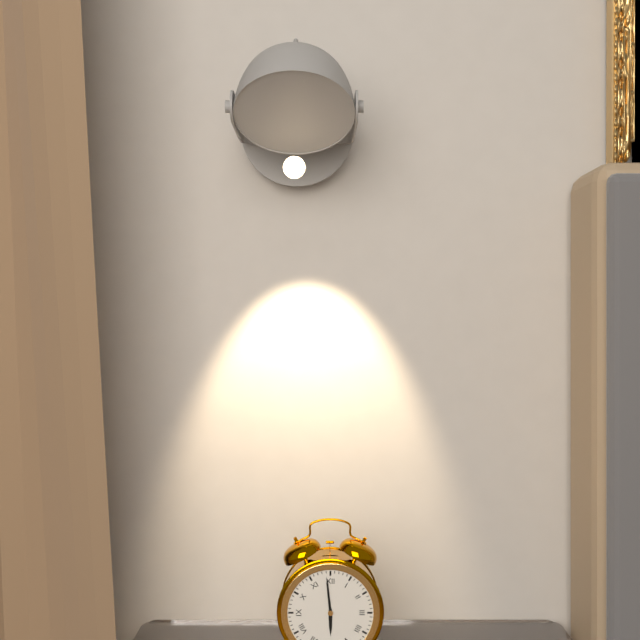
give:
5.59
